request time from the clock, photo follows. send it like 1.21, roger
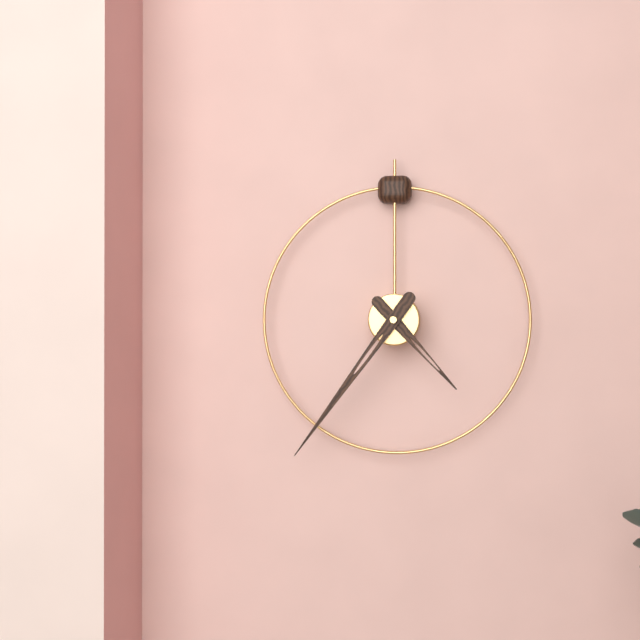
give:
4.36
